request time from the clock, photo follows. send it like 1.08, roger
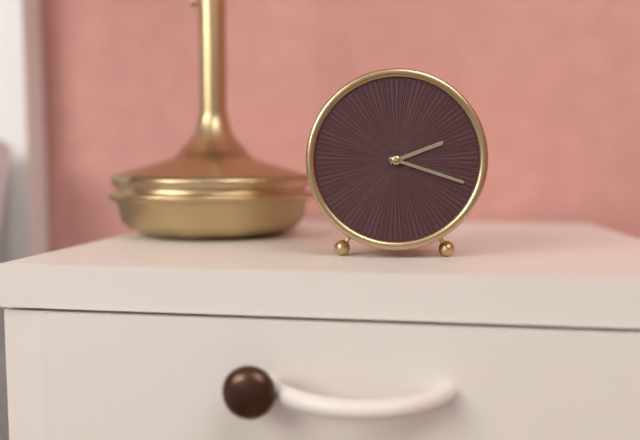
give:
2.18
